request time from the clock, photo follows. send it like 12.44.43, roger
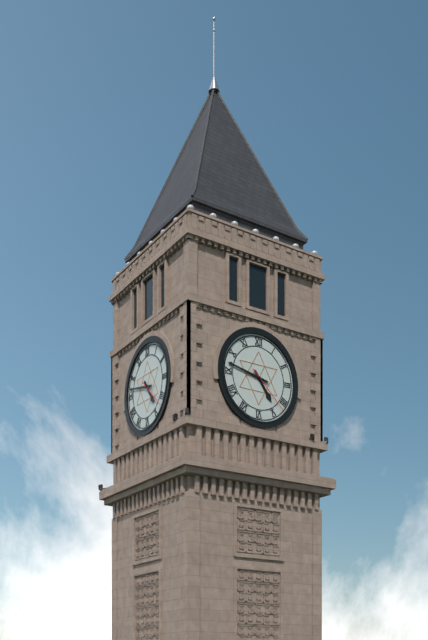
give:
4.47.22
